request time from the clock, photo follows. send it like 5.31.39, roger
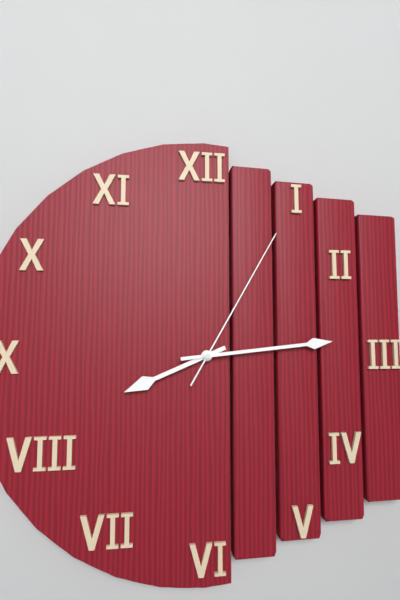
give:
8.14.05
